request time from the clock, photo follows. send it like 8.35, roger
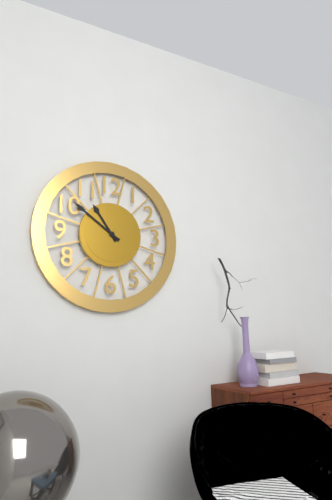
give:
10.51
